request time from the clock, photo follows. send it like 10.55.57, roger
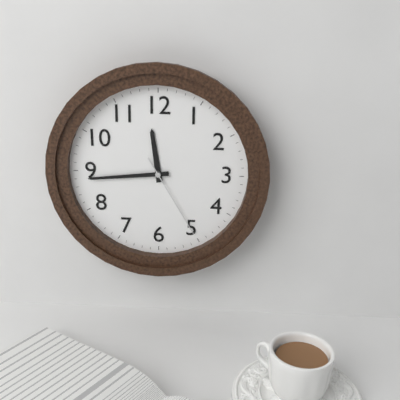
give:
11.44.25
